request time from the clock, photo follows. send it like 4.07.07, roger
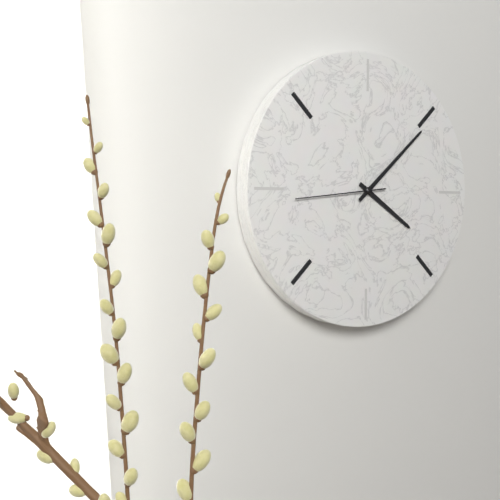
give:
4.08.44
